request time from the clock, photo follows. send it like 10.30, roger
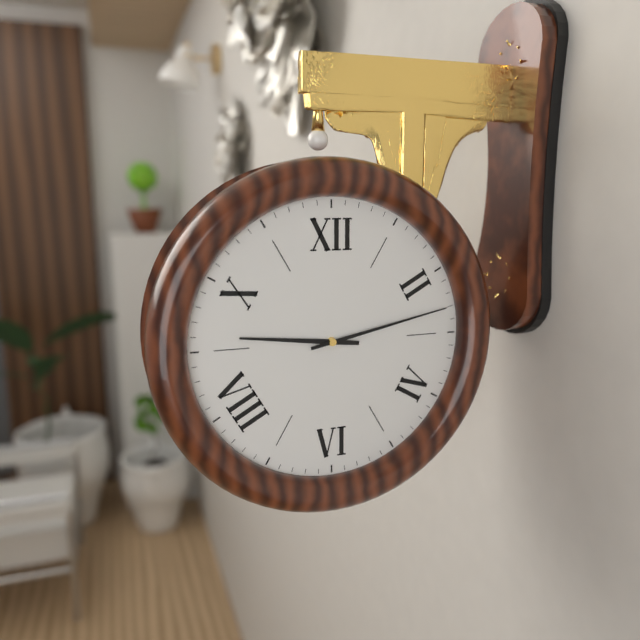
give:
9.13
